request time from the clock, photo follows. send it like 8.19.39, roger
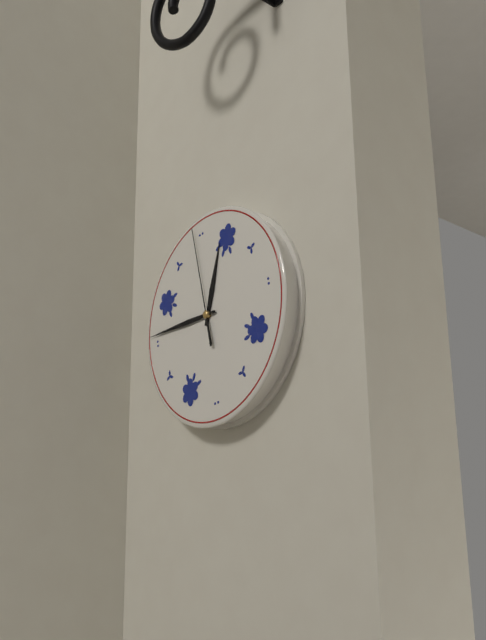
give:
12.46.59
